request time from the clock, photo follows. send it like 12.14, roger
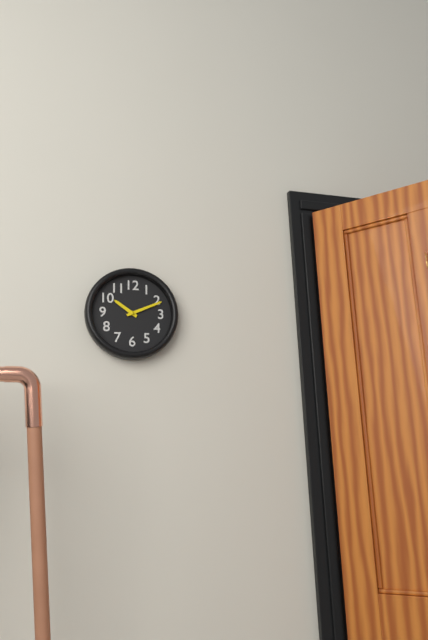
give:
10.11
